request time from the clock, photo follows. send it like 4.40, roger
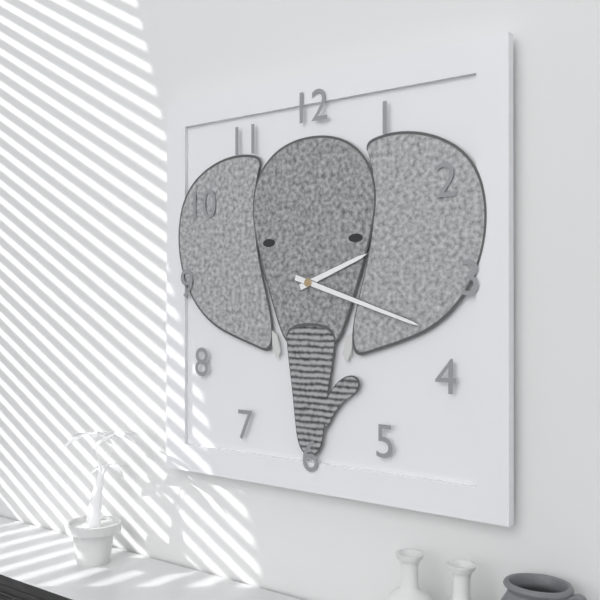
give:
2.18
